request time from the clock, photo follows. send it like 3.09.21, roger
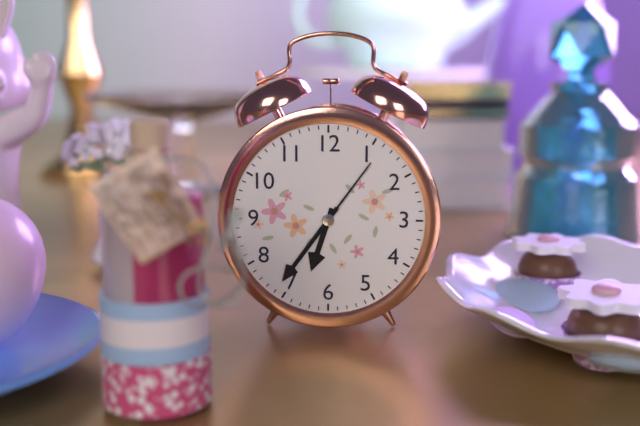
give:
6.36.06
